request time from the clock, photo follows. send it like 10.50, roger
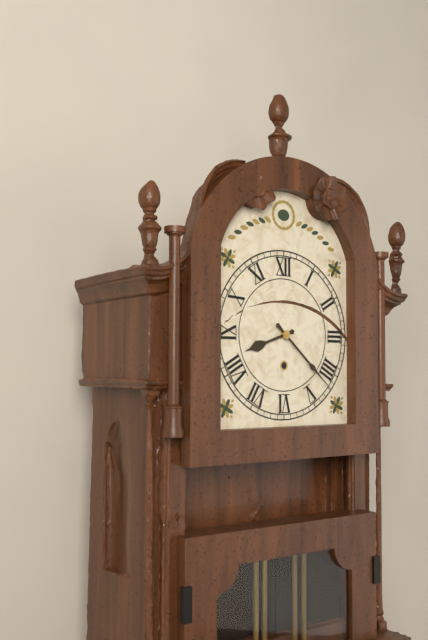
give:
8.22
